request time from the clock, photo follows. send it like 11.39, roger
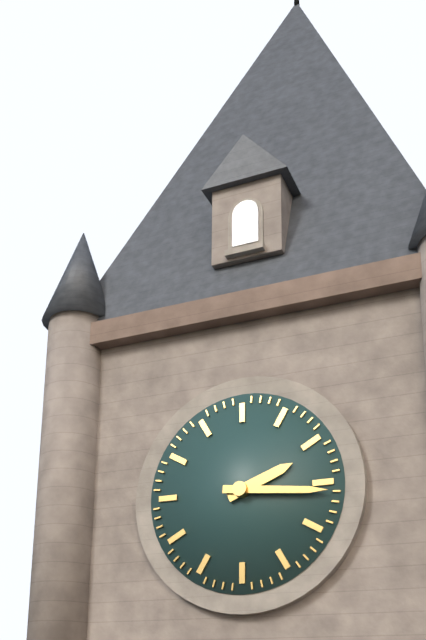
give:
2.16
